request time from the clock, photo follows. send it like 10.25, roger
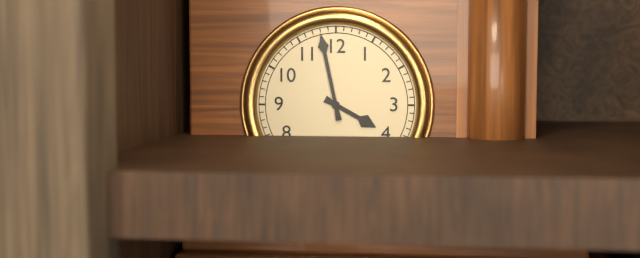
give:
3.58
